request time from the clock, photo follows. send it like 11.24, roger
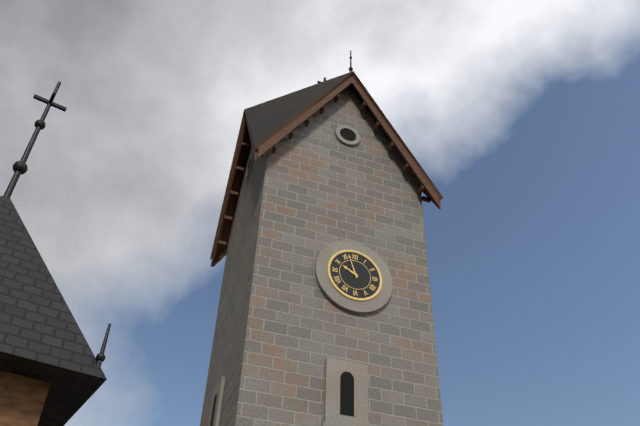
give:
9.57
